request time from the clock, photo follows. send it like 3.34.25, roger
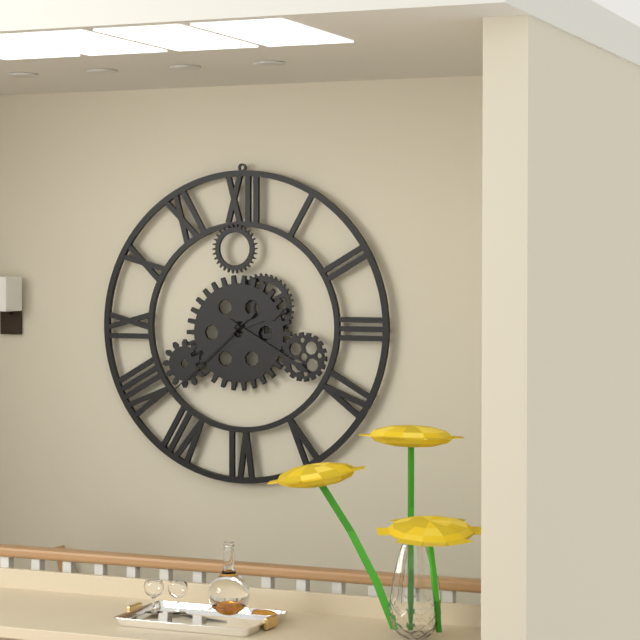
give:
2.20.38
